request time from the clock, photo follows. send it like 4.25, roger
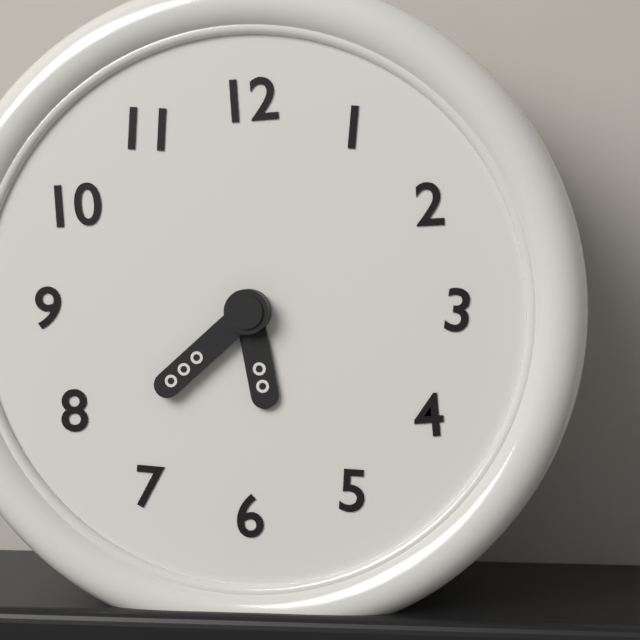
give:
5.38
